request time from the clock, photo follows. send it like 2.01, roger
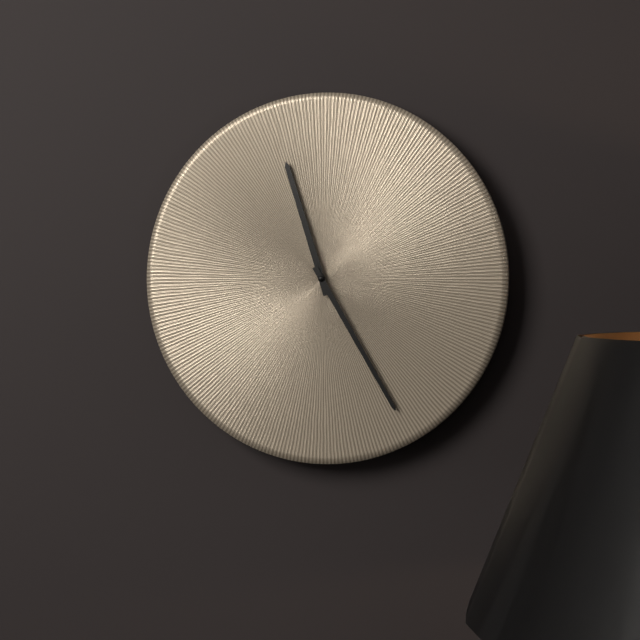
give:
11.25
